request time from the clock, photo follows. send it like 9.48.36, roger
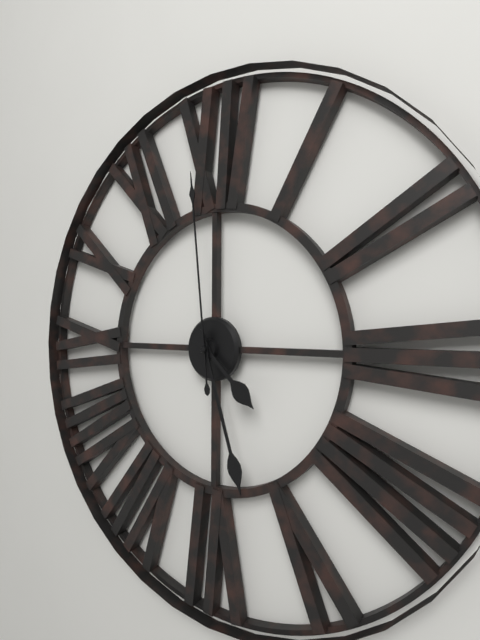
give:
4.27.59
